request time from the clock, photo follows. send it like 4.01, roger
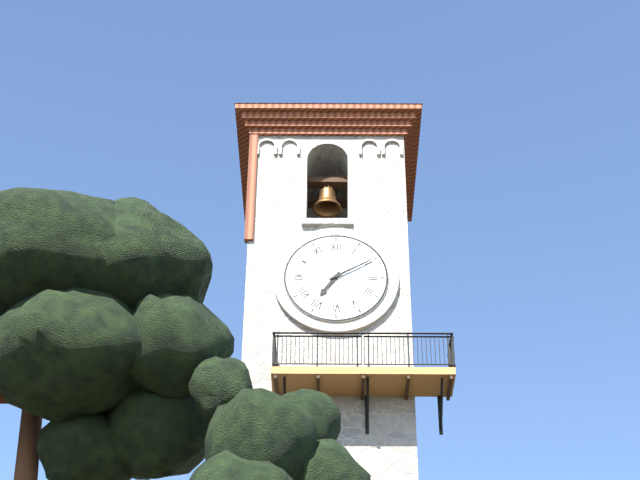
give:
7.10
